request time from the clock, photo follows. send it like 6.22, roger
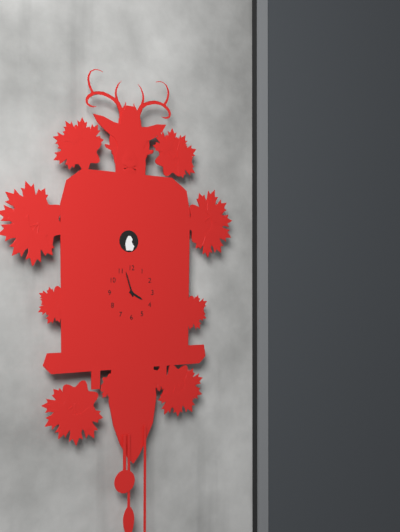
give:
3.57
